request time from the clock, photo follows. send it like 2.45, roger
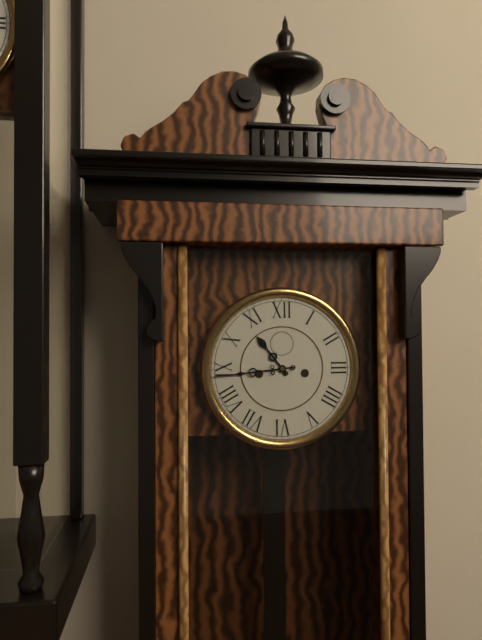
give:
10.44
